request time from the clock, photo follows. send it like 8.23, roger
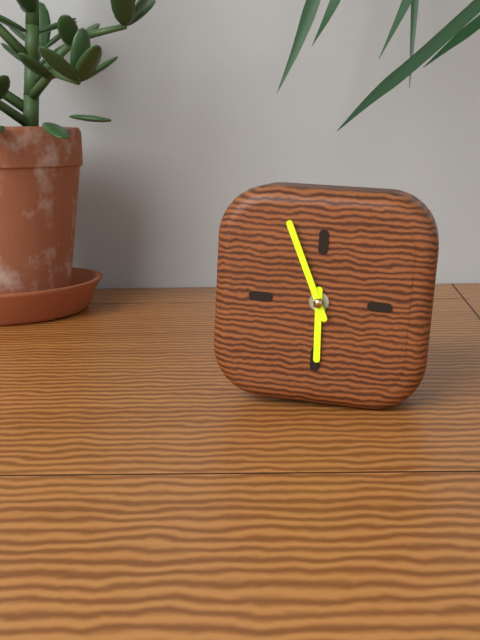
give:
5.56
